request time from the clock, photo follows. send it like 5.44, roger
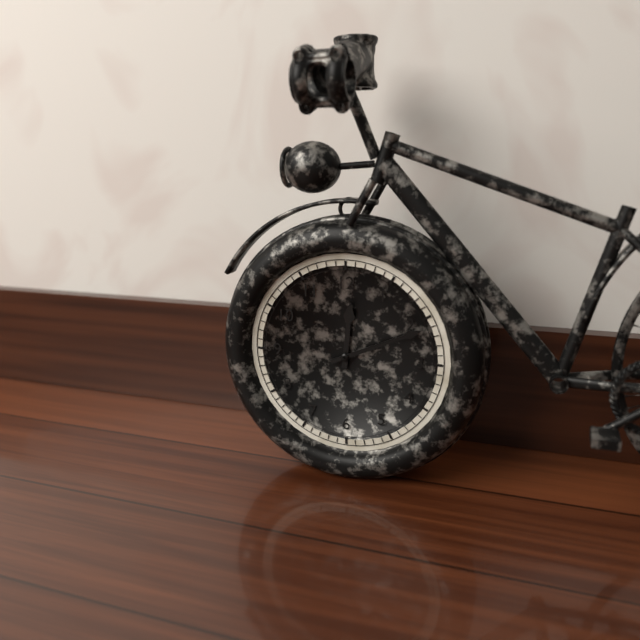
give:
12.11
